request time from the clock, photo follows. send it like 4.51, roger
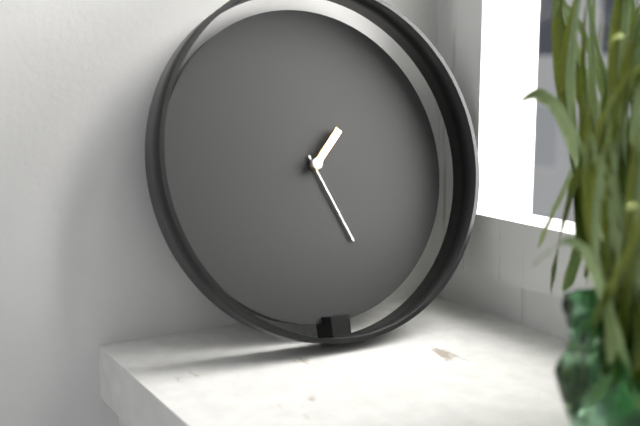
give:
1.26
